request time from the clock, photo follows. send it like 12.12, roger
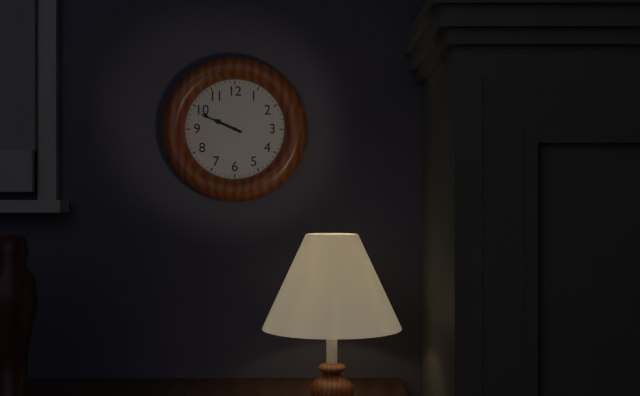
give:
9.49
